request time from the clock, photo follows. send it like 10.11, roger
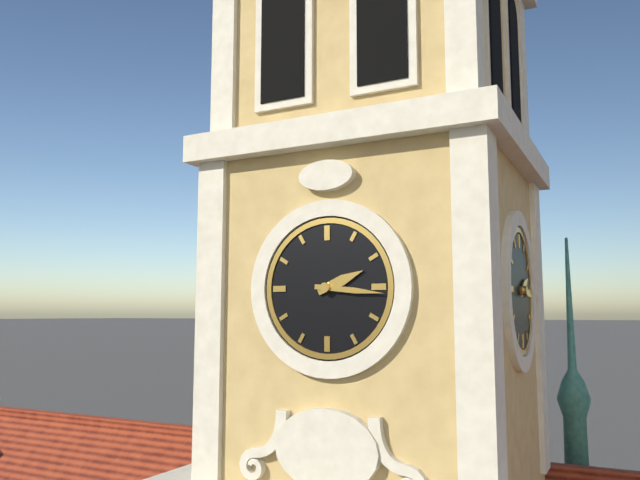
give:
2.16
